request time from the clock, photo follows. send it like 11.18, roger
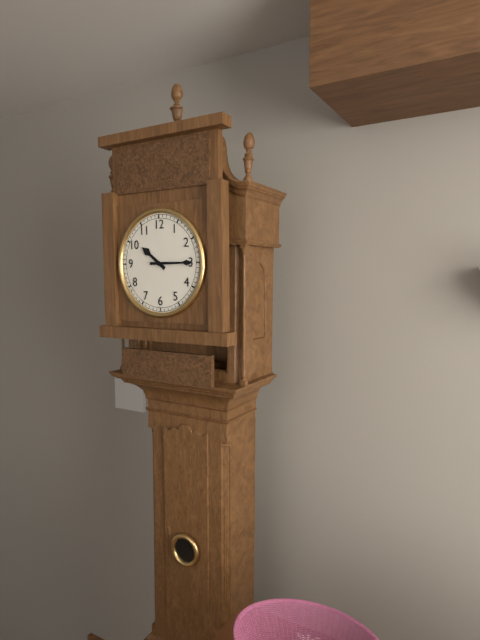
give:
10.15
